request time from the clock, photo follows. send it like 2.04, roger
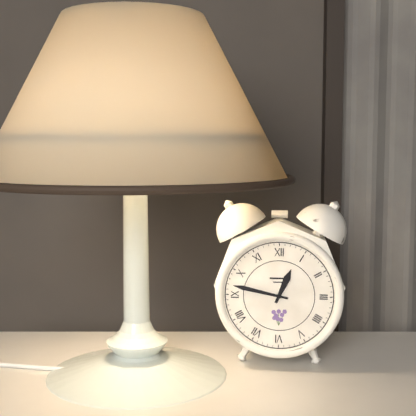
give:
12.47
